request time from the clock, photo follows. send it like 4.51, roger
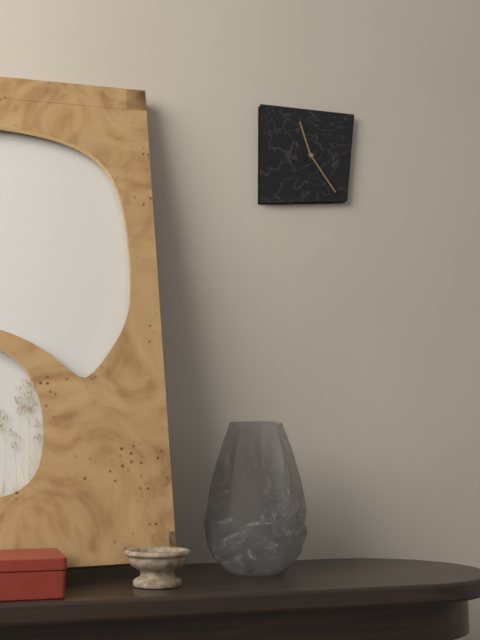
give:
11.24
